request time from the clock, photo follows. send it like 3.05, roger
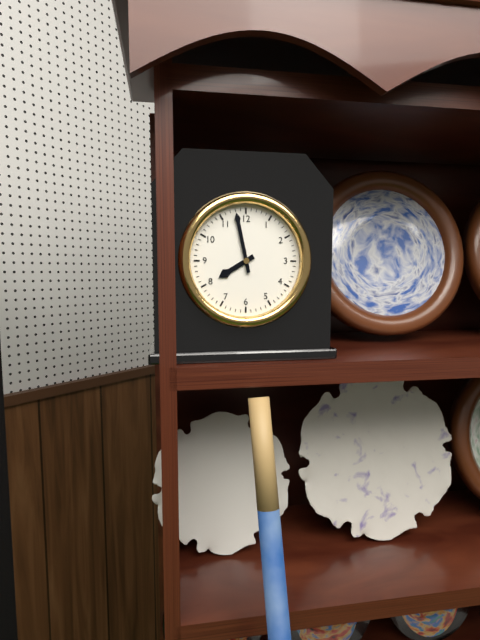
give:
7.58
